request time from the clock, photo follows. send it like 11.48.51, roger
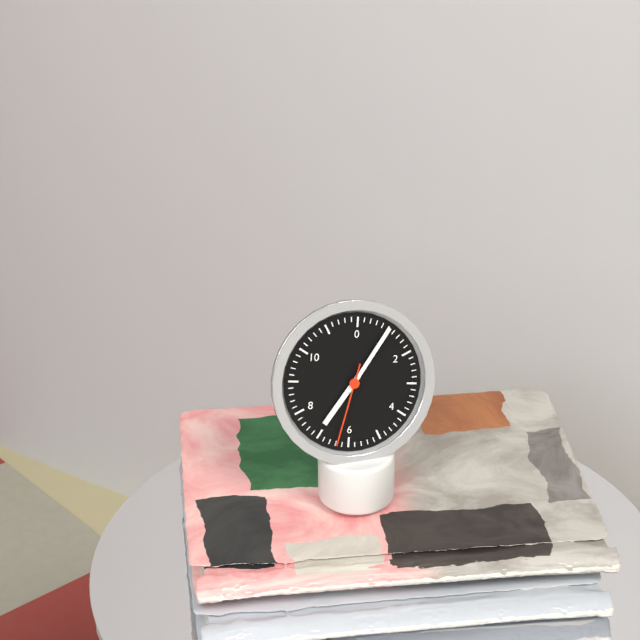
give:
7.05.32
